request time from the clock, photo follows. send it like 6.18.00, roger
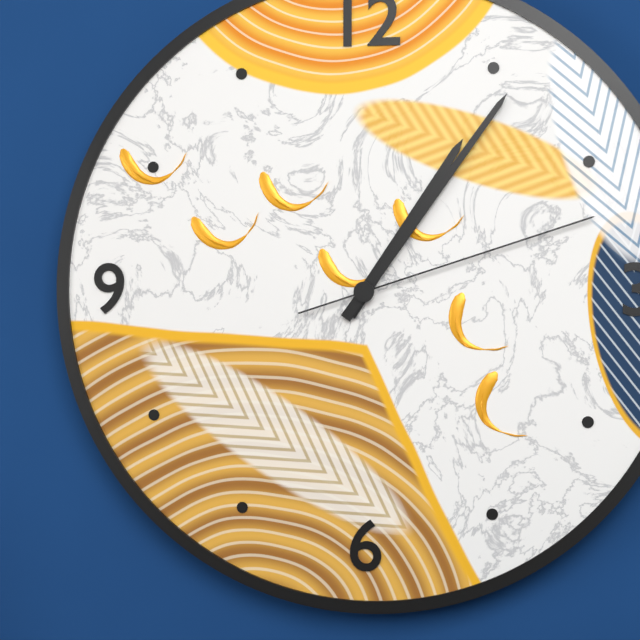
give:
1.06.12
